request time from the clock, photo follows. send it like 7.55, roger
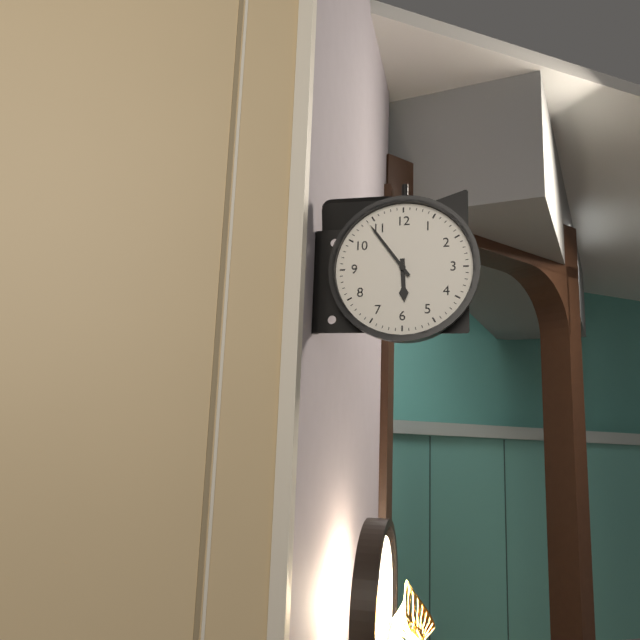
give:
5.54
